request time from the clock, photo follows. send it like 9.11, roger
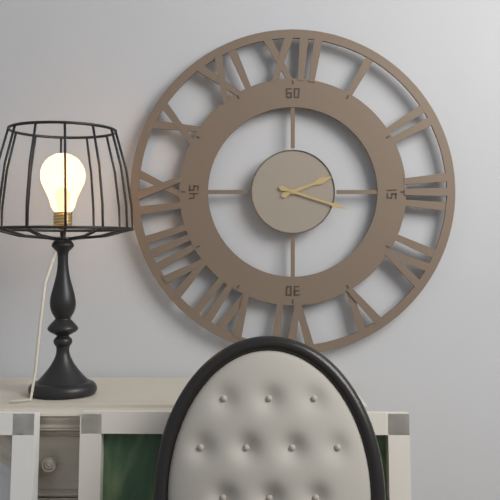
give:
2.18
